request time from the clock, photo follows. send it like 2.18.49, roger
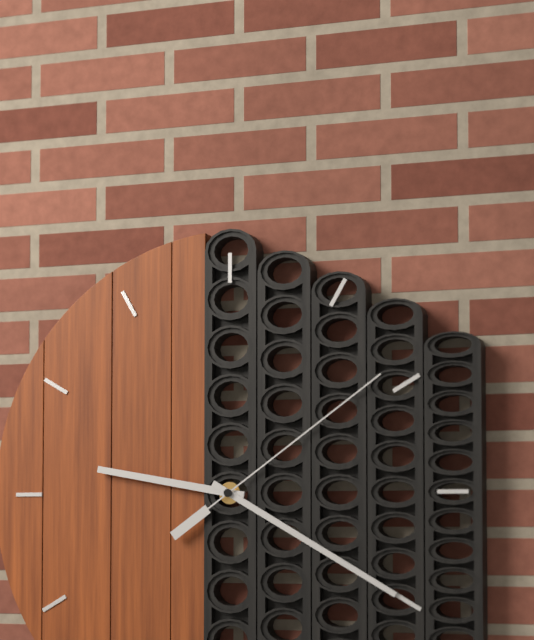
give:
9.20.09
